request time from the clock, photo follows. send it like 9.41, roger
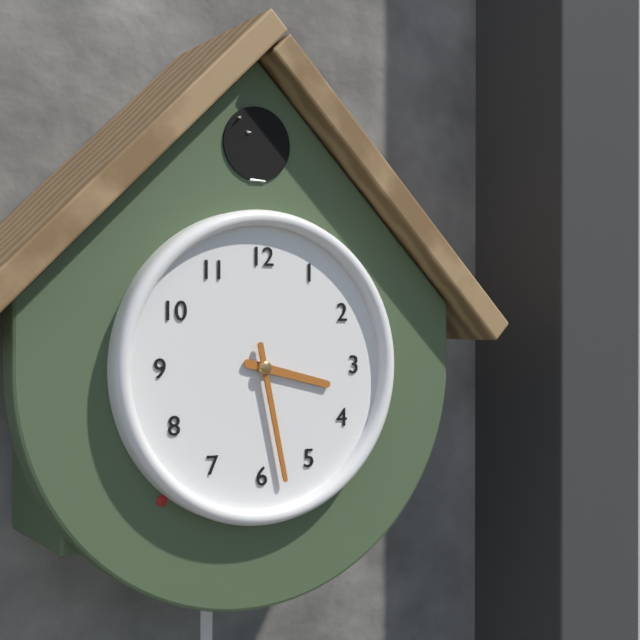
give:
3.28
